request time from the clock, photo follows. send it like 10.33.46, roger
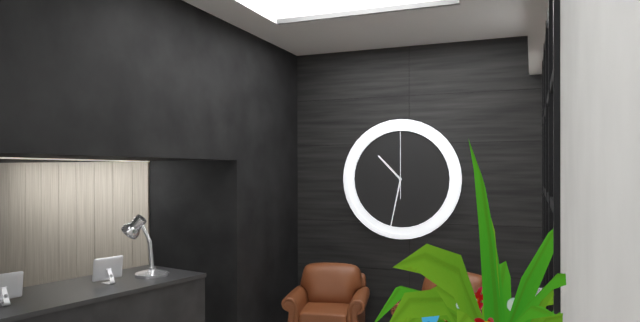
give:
10.32.00
